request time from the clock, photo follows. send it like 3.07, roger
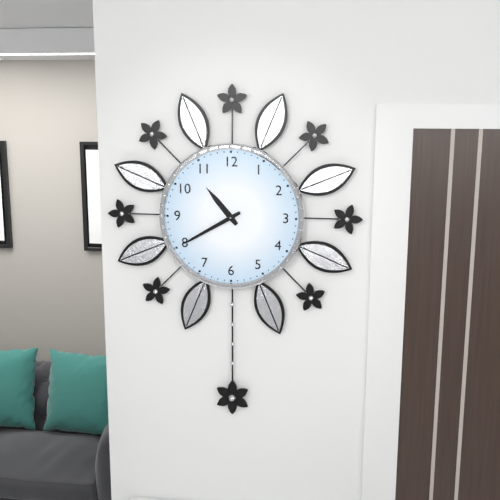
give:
10.40
